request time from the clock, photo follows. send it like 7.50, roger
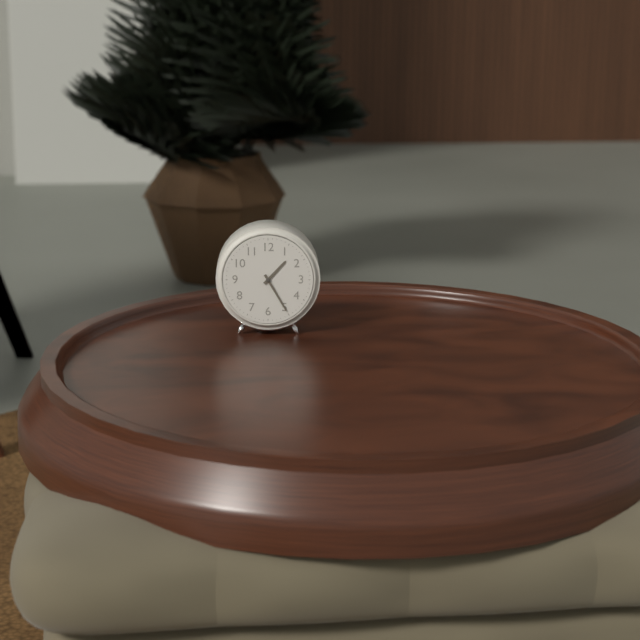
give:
1.25
